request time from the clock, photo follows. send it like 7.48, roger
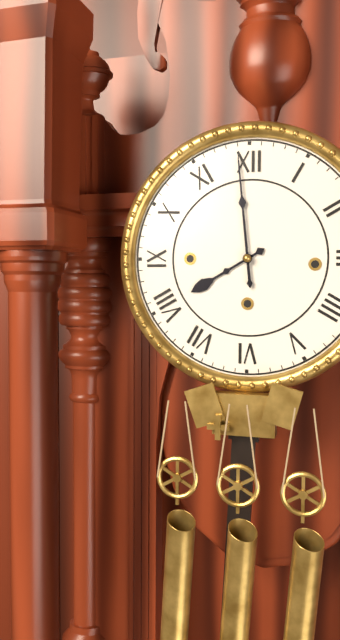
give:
7.59
